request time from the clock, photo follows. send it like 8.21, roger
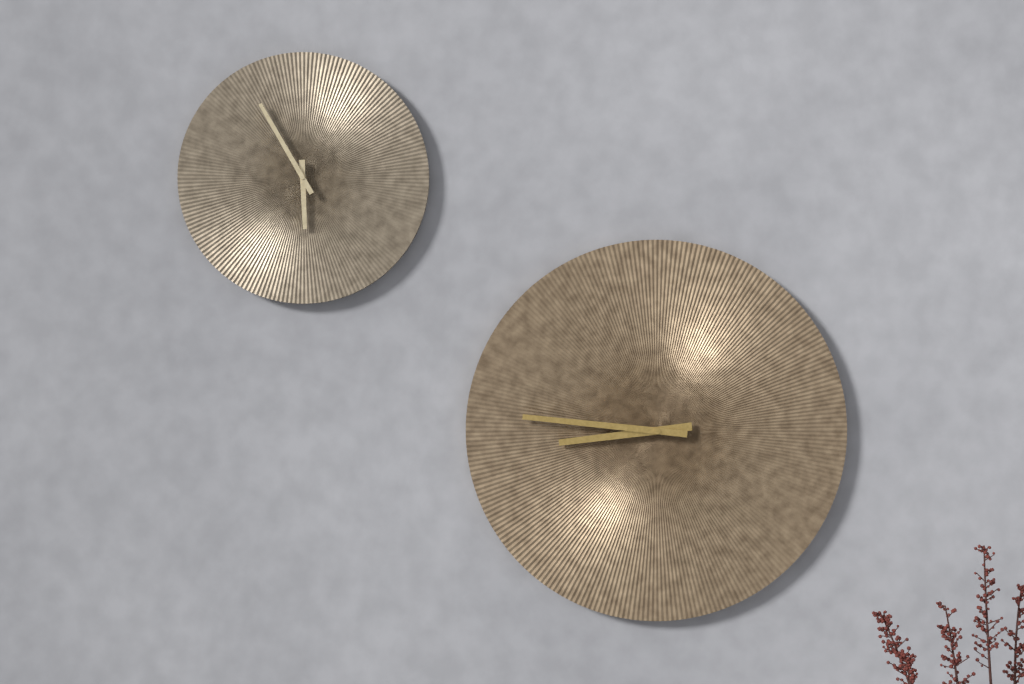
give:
8.46
